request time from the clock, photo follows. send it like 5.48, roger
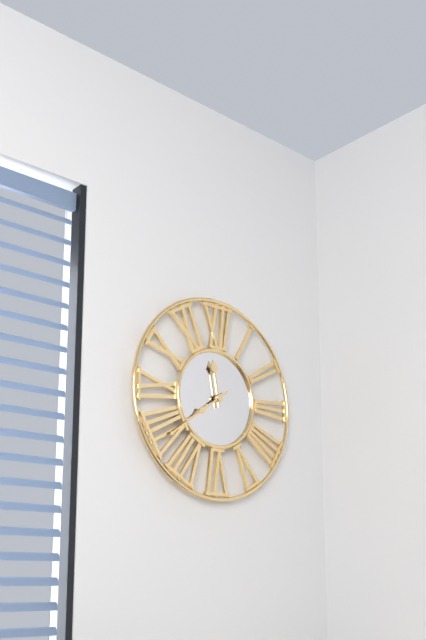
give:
11.39
